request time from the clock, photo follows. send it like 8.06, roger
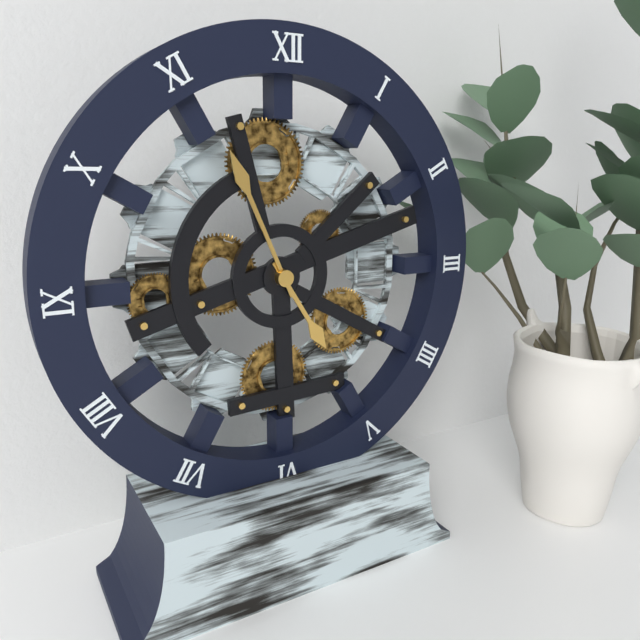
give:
4.56
